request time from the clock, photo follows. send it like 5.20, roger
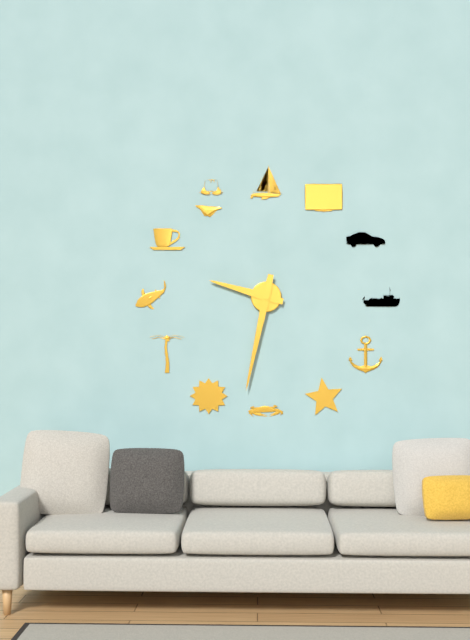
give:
9.32
